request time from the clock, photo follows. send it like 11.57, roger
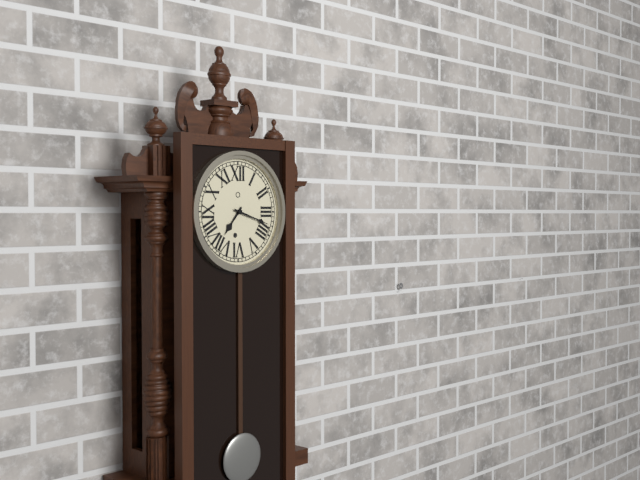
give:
7.18
